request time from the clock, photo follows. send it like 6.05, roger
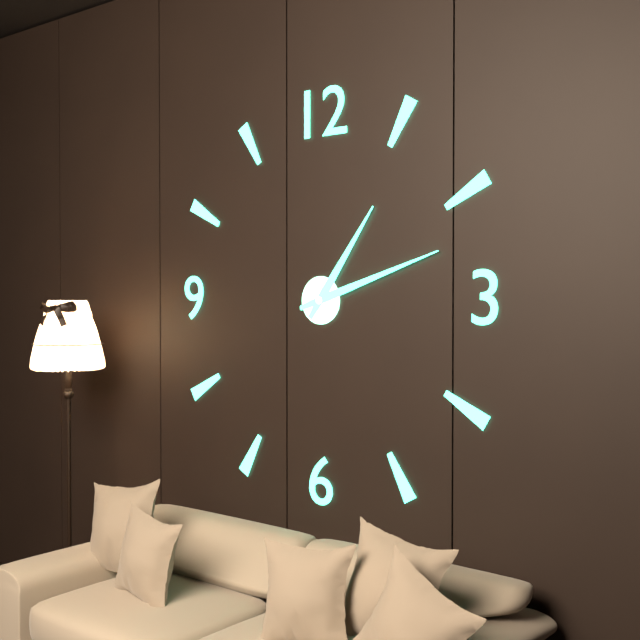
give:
1.12
